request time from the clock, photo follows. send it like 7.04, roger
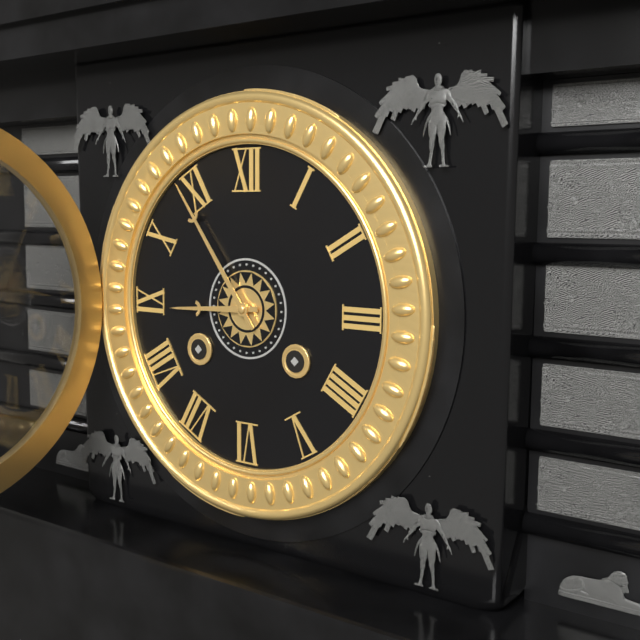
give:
8.54
